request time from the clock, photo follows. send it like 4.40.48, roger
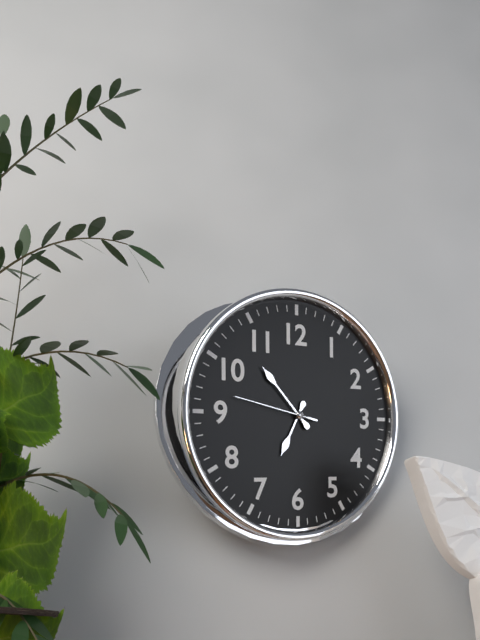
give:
6.53.47
